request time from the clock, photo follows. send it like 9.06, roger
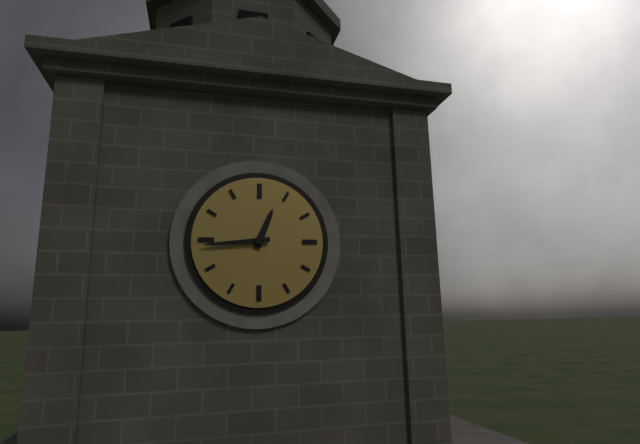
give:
12.44
